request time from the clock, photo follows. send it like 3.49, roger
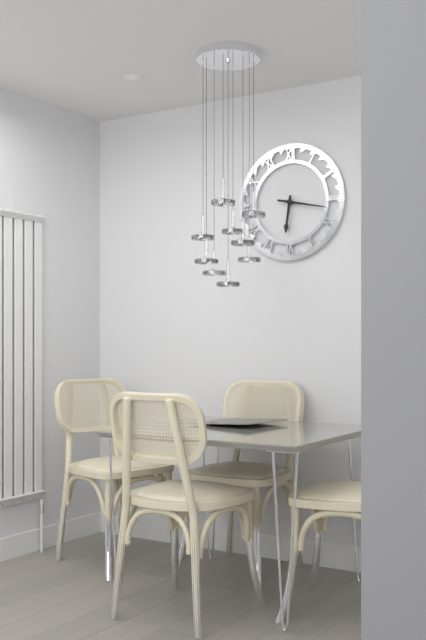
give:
6.17
